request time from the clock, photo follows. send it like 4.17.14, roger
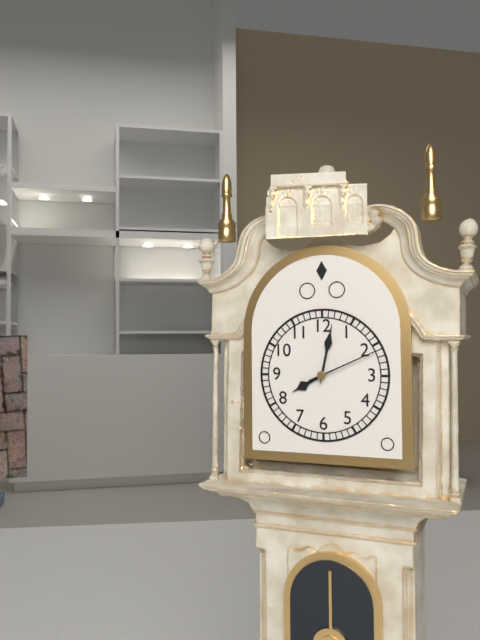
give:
8.02.11
